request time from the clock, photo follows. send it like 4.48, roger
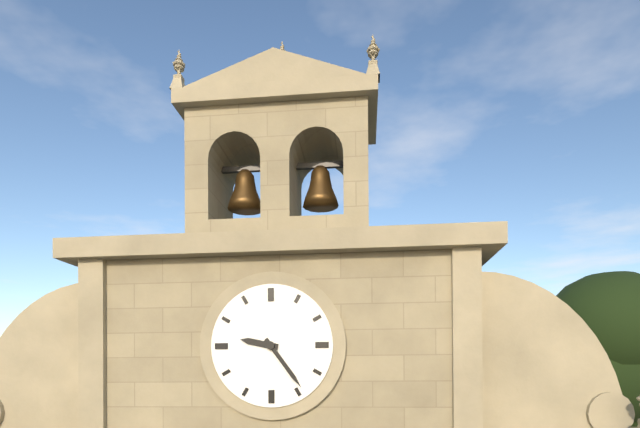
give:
9.24
